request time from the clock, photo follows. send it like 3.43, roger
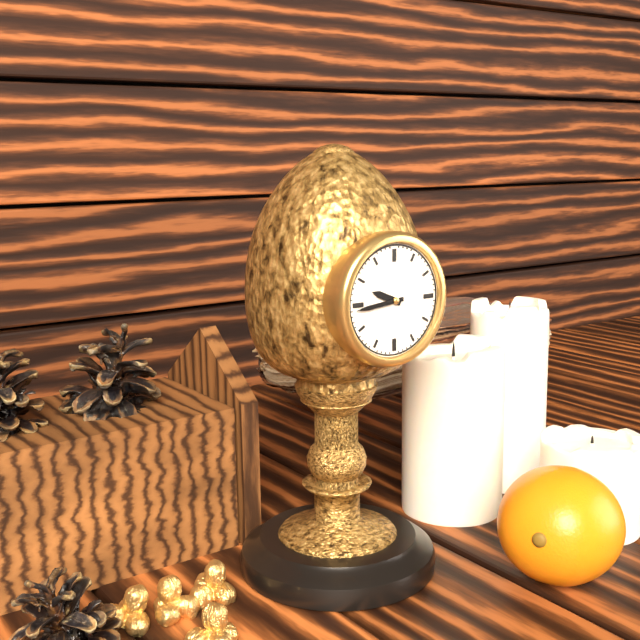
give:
9.44
